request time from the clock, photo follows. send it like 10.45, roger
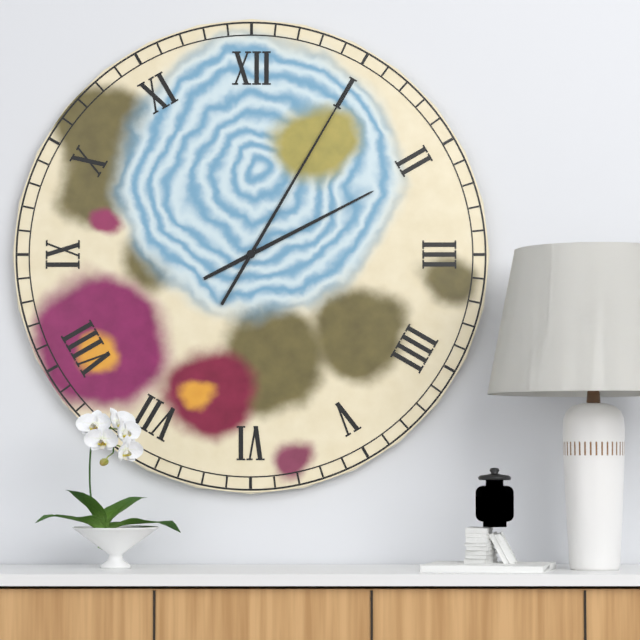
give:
2.05
